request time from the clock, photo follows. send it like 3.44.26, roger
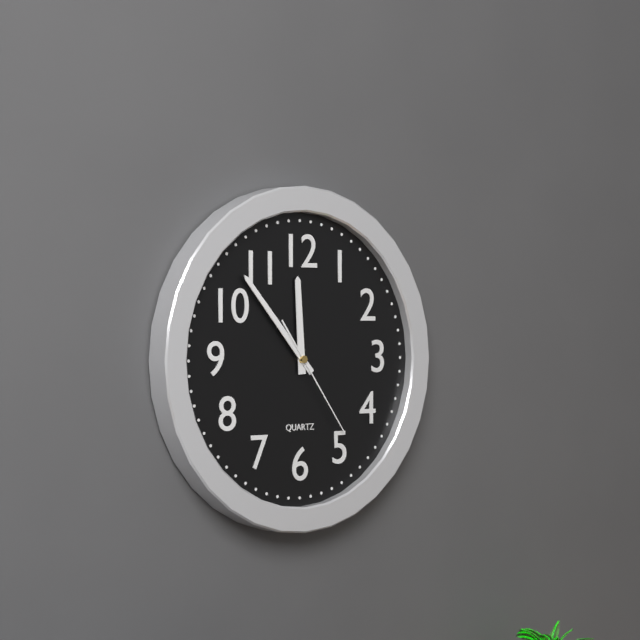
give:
11.53.24
